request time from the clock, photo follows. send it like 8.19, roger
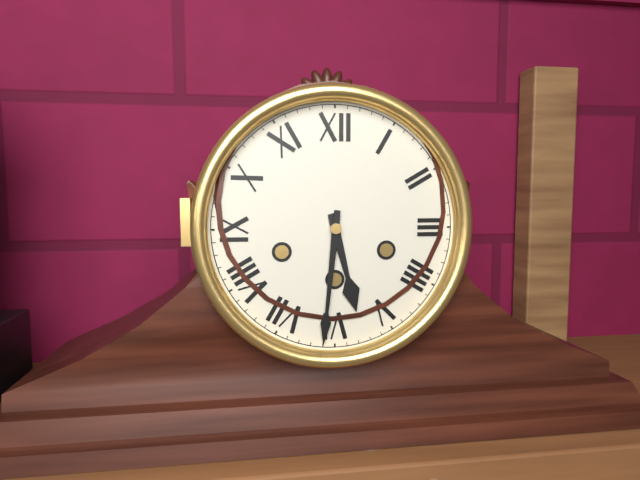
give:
5.31
